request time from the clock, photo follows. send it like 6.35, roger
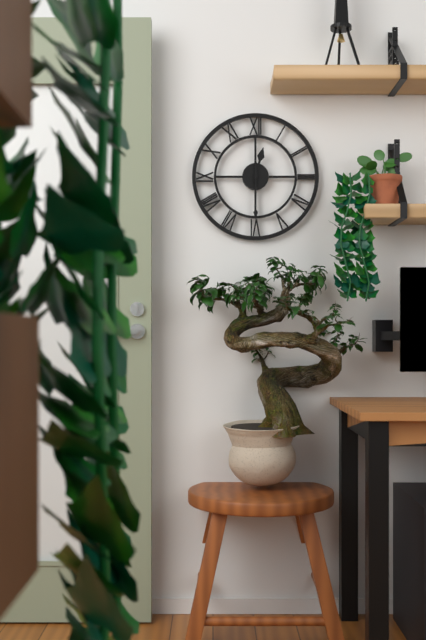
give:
12.30
